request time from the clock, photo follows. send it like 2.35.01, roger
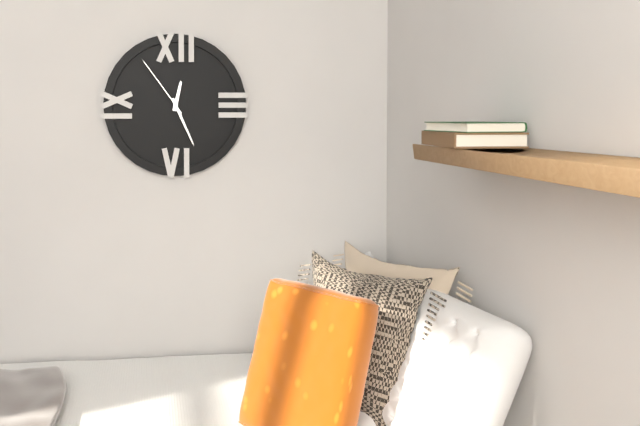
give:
12.26.54
